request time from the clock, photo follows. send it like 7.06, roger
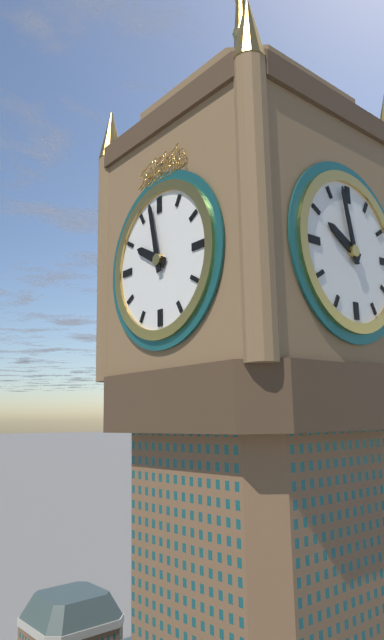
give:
9.58
